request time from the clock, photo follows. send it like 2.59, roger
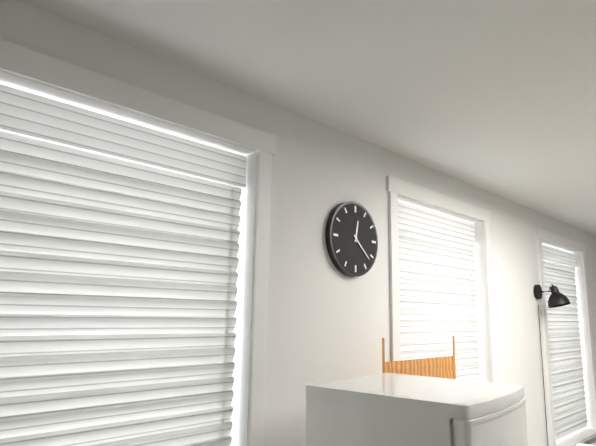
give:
12.22
